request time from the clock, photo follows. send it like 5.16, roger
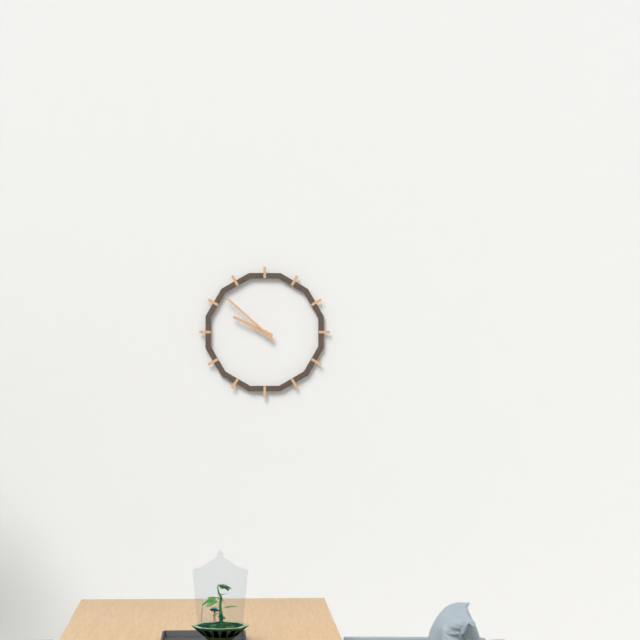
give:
9.52
